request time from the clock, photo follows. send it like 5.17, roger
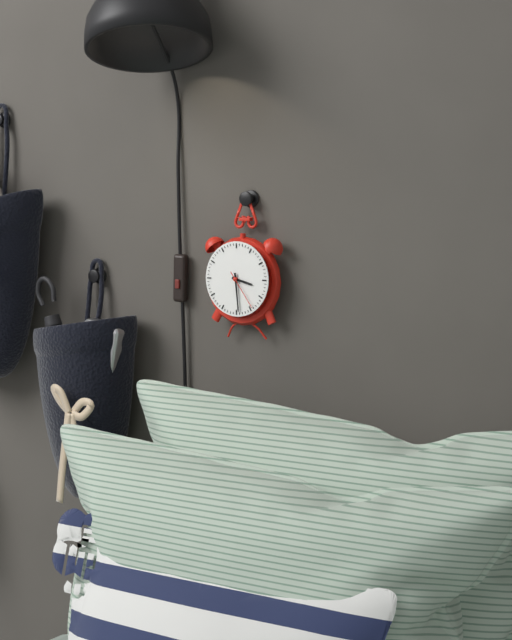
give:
3.29
